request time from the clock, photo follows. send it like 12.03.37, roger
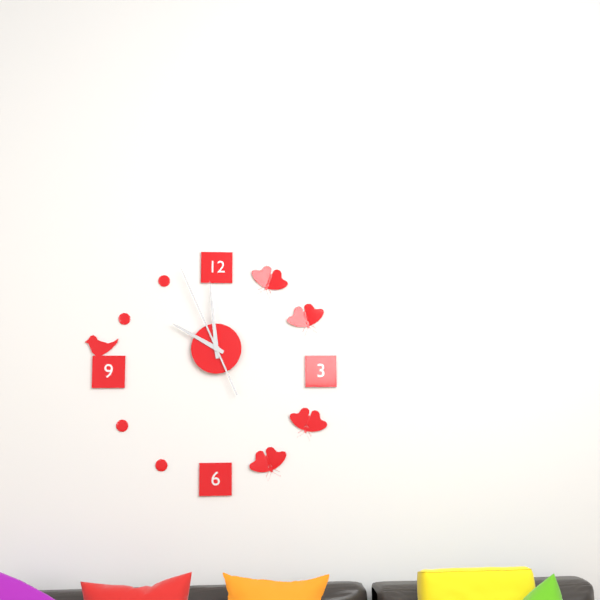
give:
9.59.56
